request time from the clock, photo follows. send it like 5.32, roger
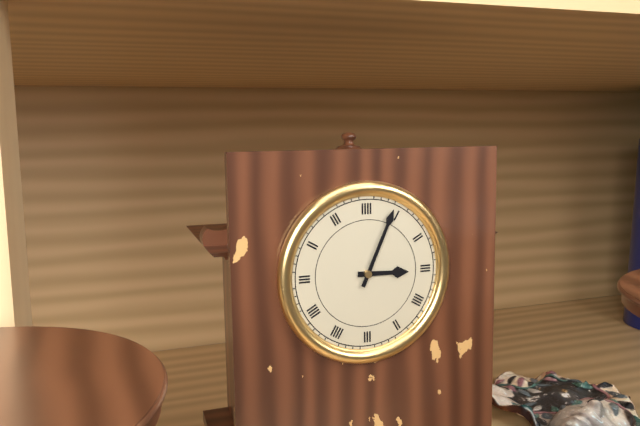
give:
3.04
